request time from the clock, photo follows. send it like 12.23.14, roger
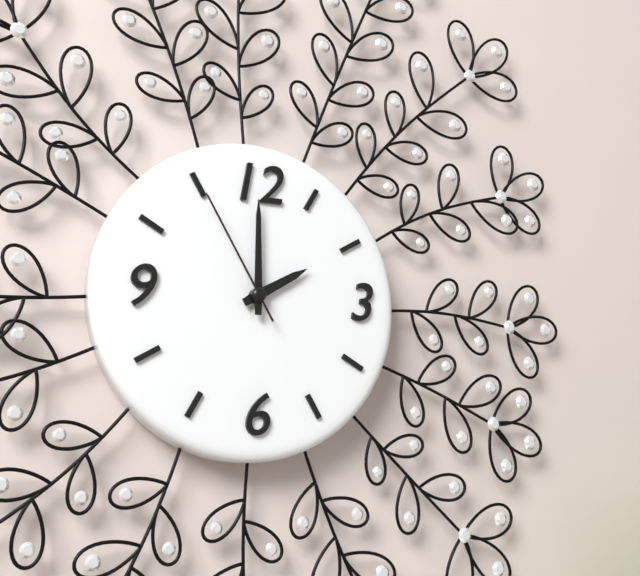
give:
2.00.55
